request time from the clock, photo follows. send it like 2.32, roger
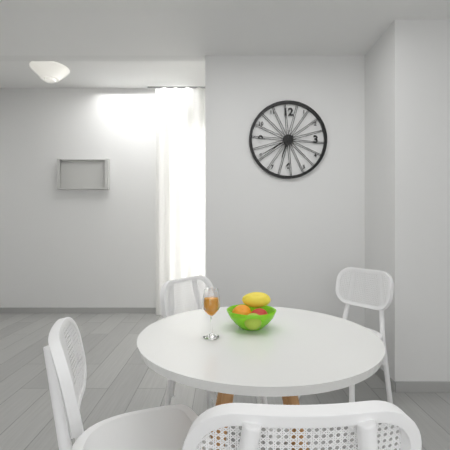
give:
6.40
